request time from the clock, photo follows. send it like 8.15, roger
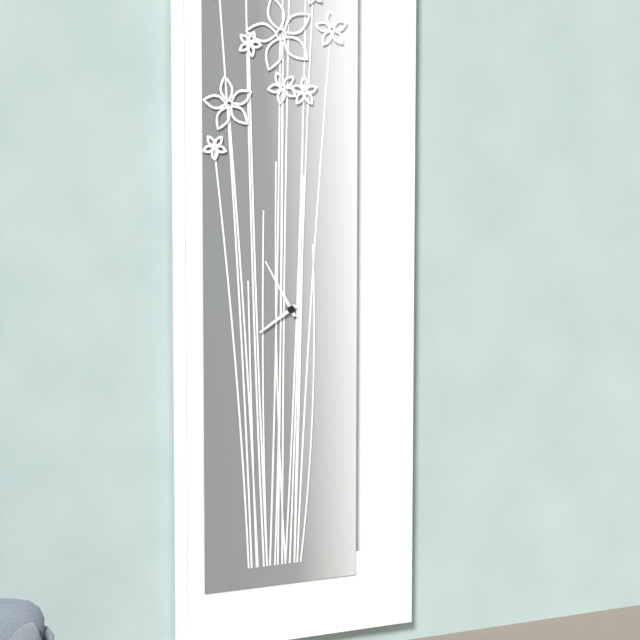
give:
7.55
